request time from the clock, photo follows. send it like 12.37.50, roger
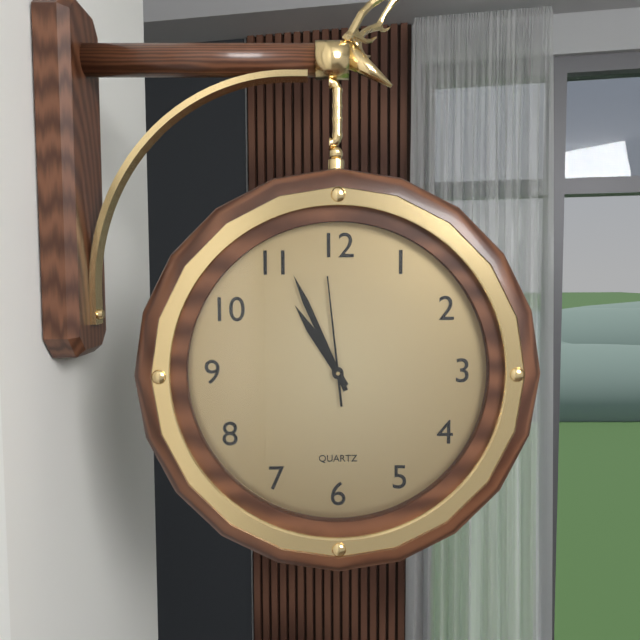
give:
10.56.59
